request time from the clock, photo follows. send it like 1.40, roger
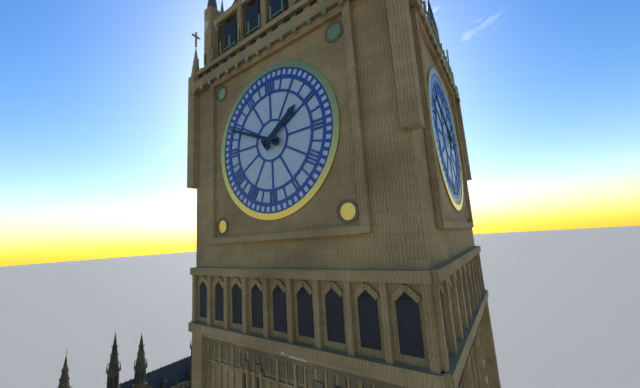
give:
1.49
